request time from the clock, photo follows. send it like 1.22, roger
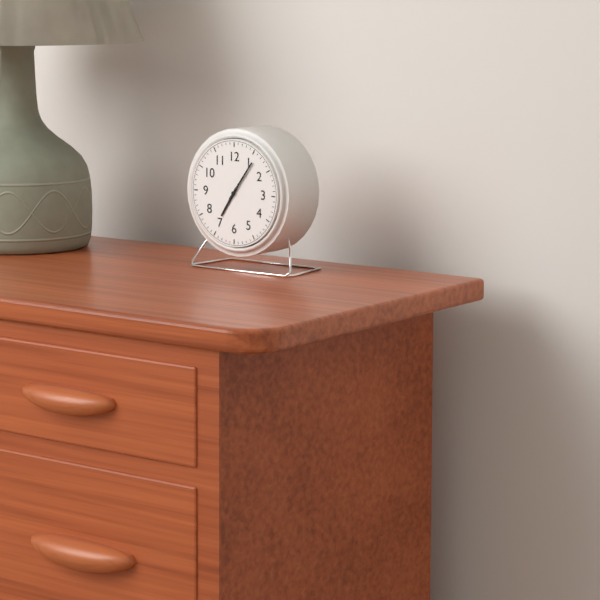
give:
7.06
